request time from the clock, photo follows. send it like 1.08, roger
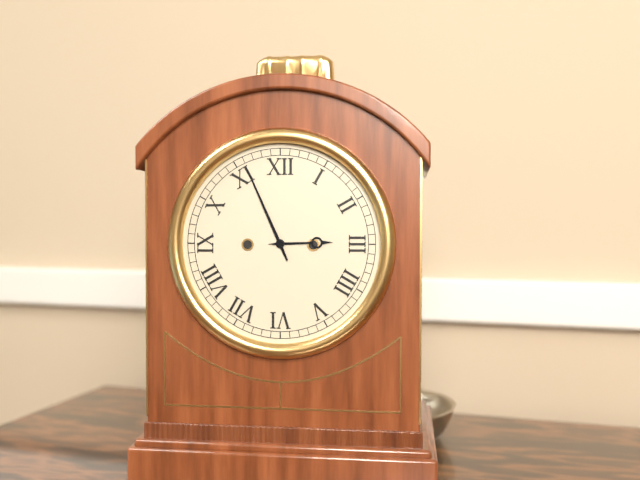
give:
2.56
